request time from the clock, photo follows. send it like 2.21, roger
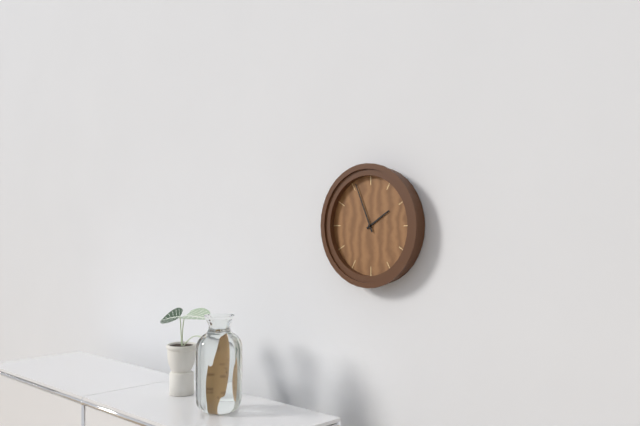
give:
1.56
